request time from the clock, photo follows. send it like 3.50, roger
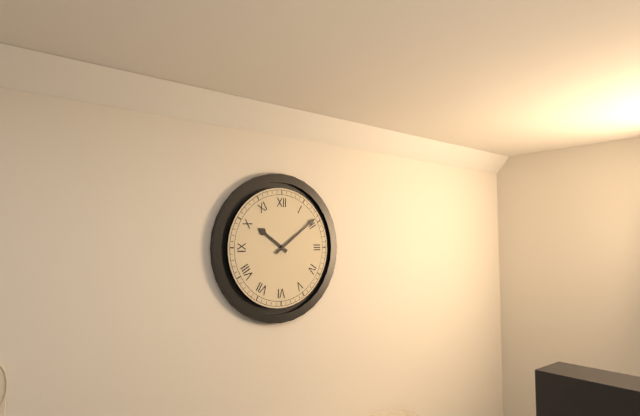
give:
10.09
